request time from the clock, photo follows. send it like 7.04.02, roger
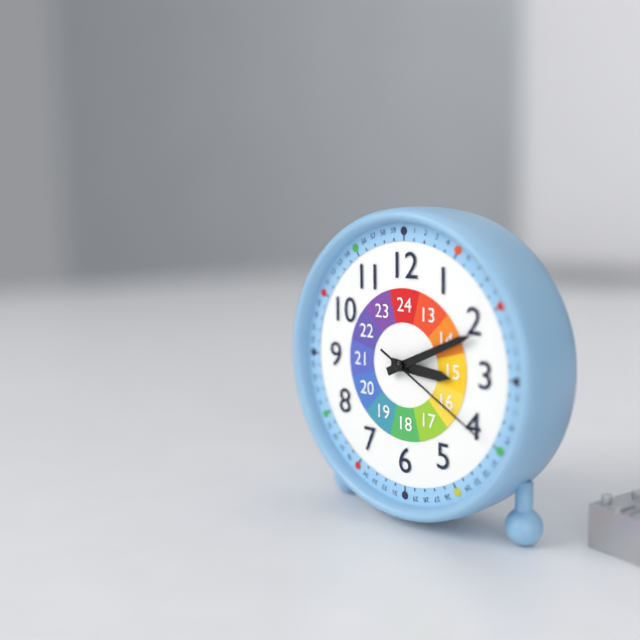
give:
3.11.20
